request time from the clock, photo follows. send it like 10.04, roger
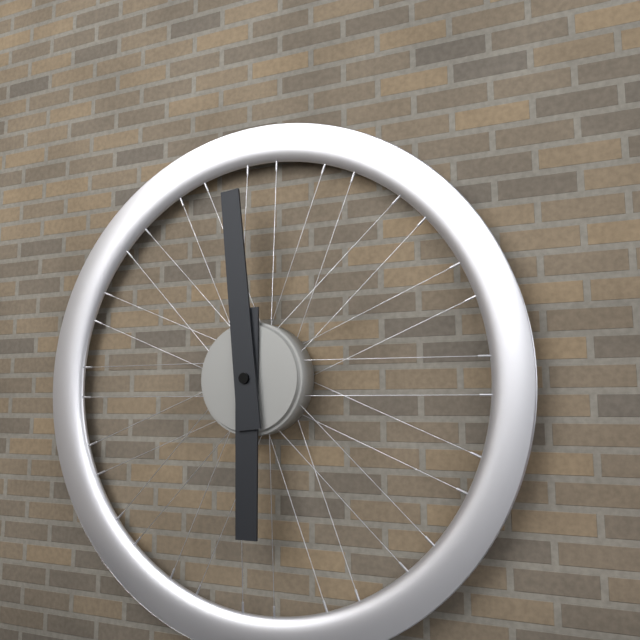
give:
5.59
